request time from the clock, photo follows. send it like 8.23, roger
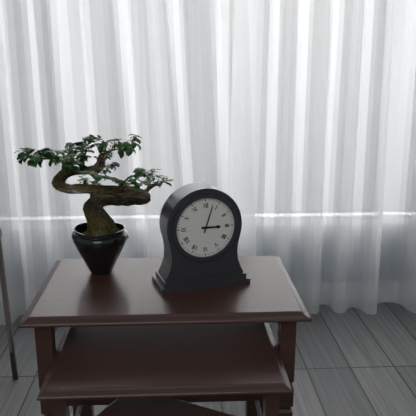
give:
3.03
